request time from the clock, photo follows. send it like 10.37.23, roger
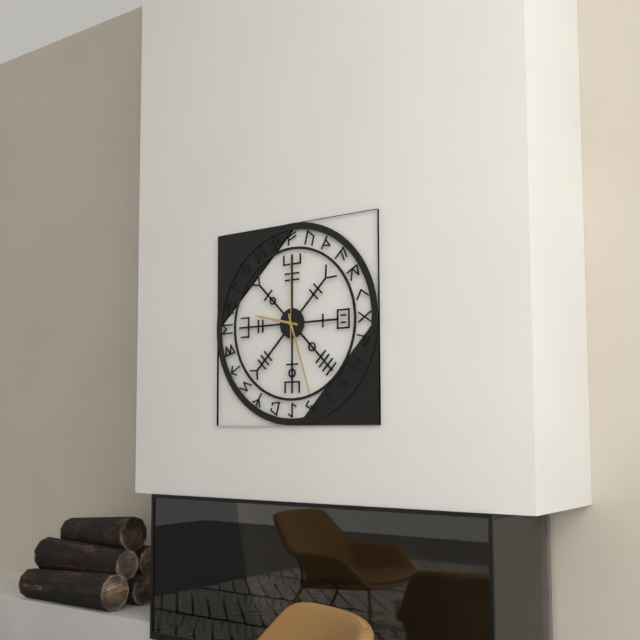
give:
9.27.00
